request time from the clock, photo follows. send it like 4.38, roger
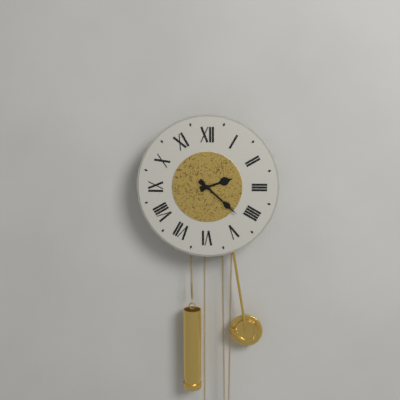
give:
2.22
